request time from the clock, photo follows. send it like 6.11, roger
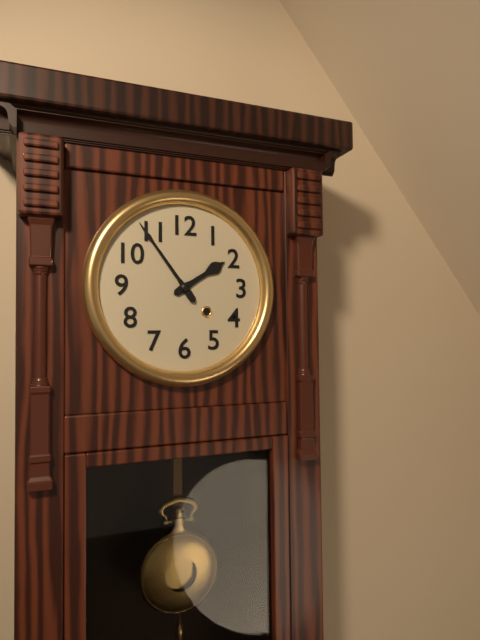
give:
1.54
